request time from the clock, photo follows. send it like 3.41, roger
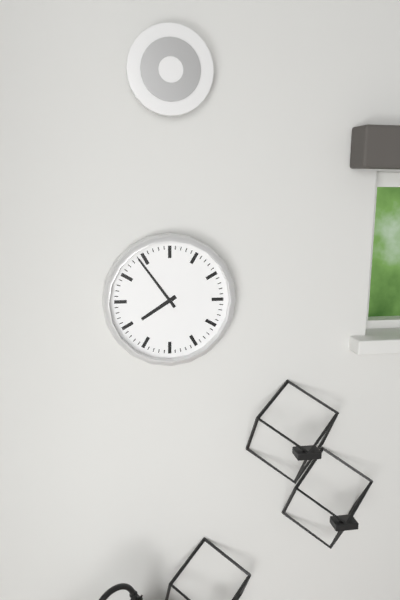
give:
7.54
